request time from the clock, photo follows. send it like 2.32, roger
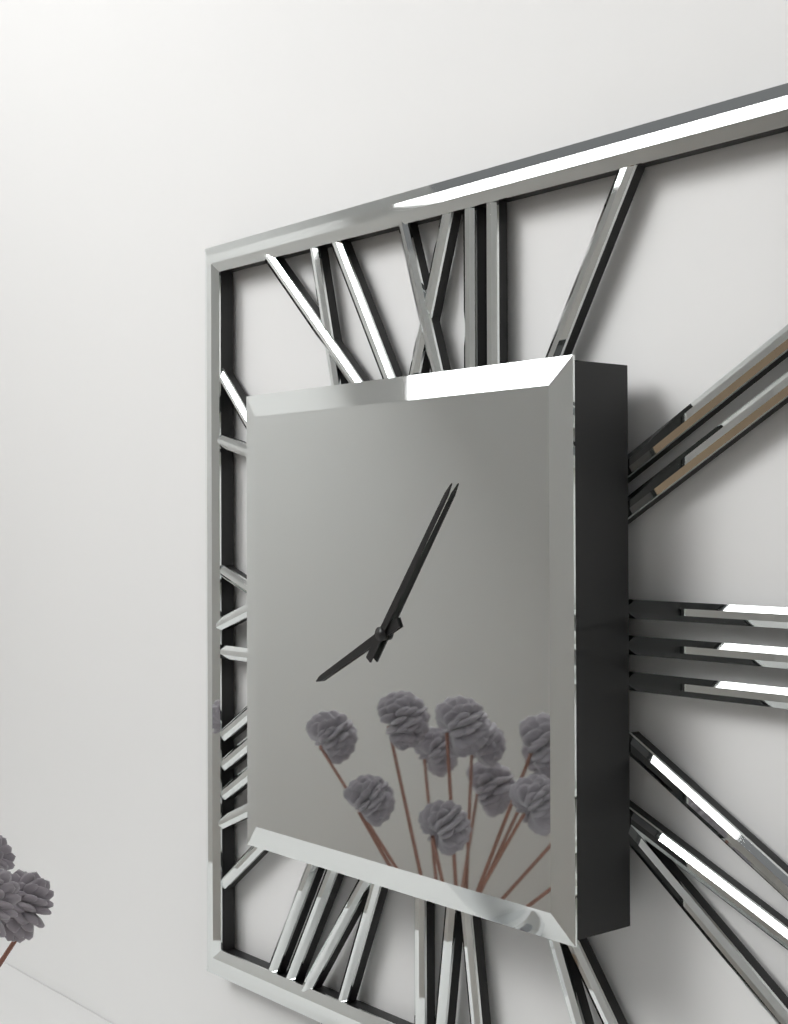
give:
8.06
